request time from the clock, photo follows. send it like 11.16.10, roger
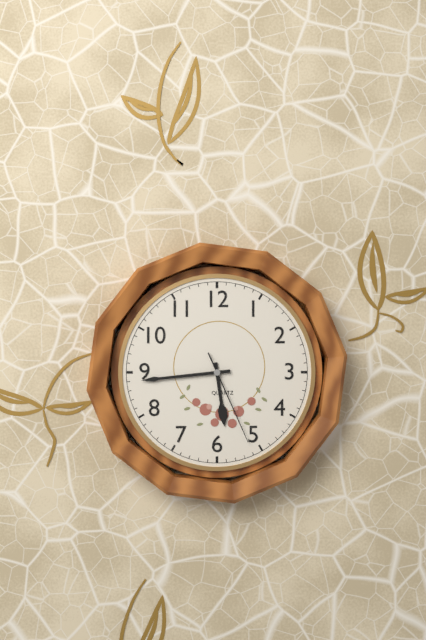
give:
5.44.26
